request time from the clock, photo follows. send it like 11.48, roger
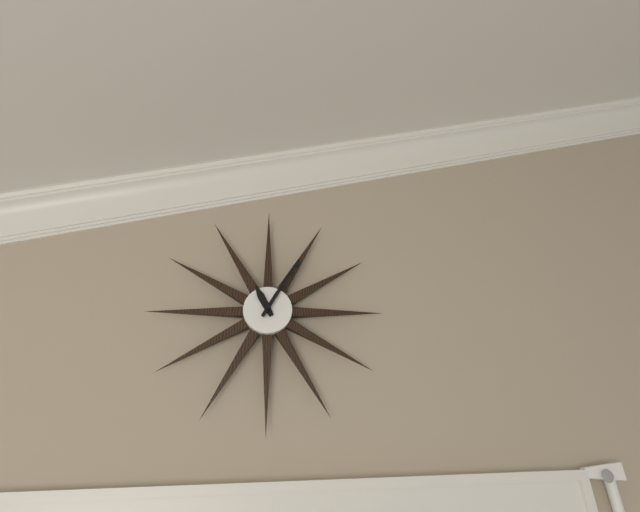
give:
11.05
